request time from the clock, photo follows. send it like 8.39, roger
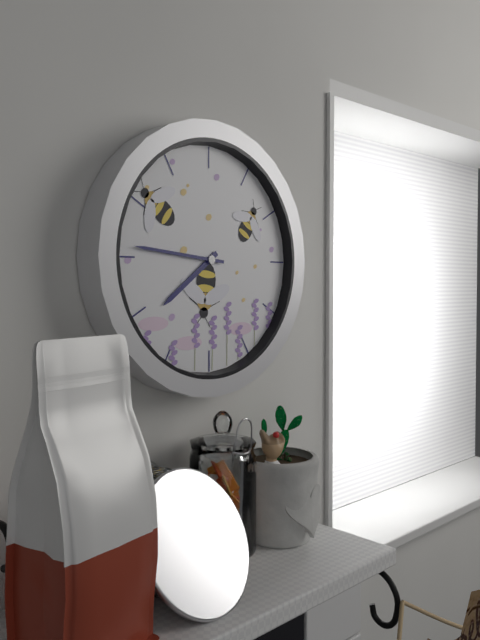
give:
7.46
